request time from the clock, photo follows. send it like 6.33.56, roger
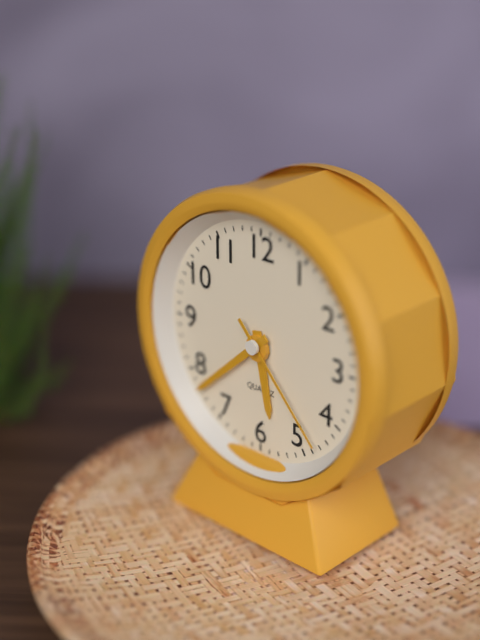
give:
5.38.23
